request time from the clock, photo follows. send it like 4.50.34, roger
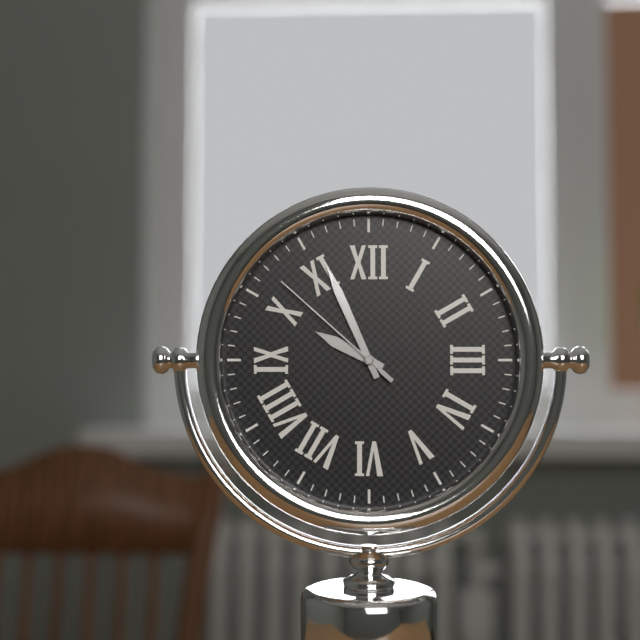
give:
9.56.52
